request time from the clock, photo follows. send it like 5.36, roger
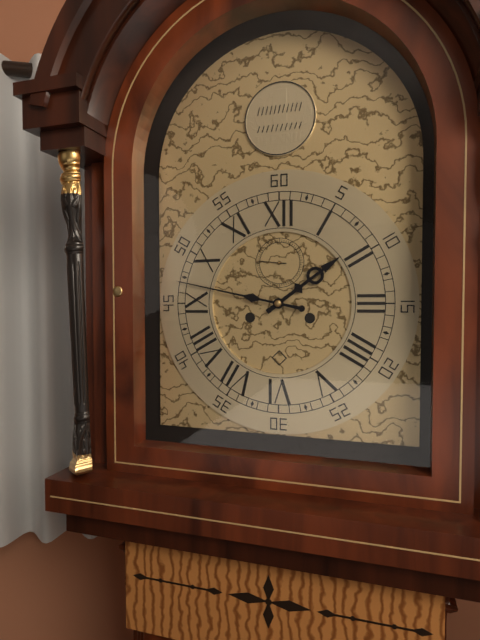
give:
1.47
